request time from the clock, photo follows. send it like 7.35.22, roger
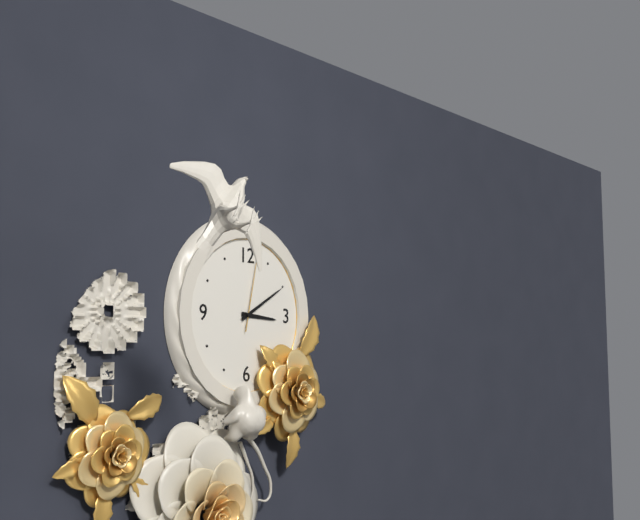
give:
3.10.02
